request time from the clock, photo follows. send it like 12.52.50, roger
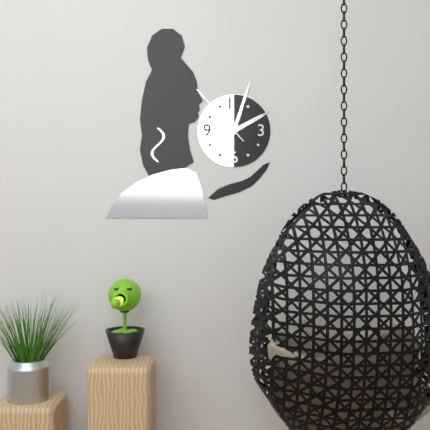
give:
2.03.53
